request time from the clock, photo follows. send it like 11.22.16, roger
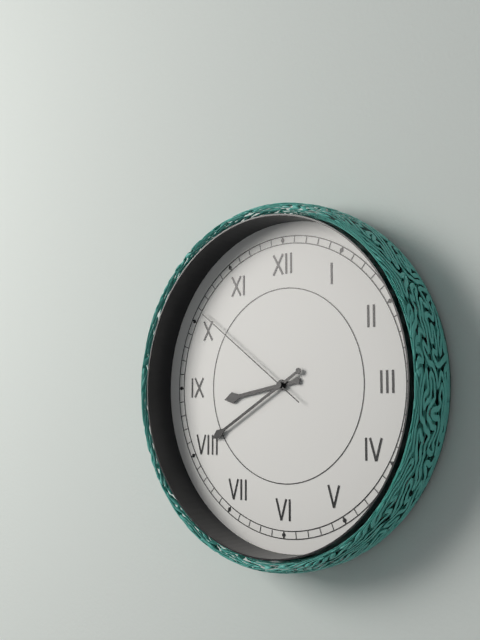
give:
8.40.51
